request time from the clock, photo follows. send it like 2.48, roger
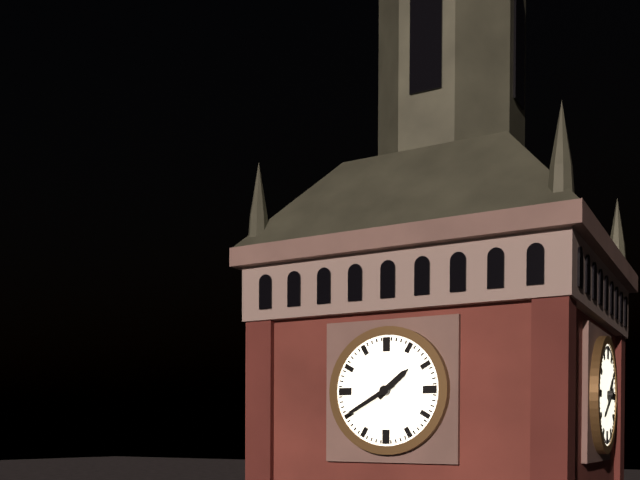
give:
1.40
